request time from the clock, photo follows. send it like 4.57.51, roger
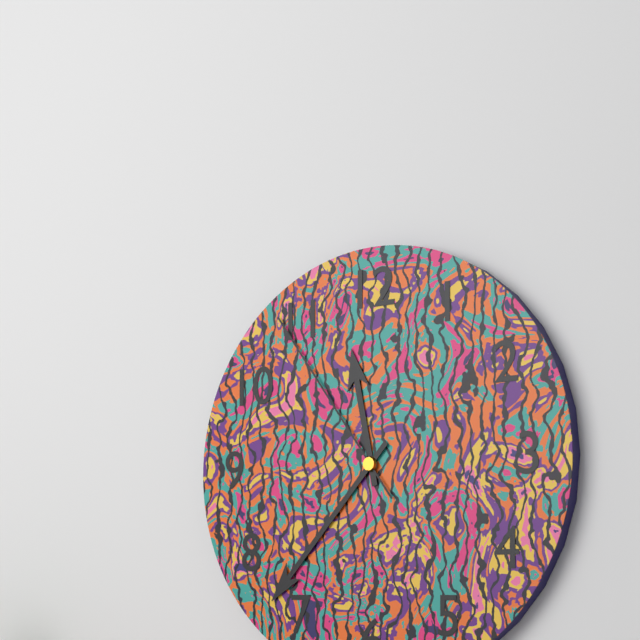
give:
11.37.54
